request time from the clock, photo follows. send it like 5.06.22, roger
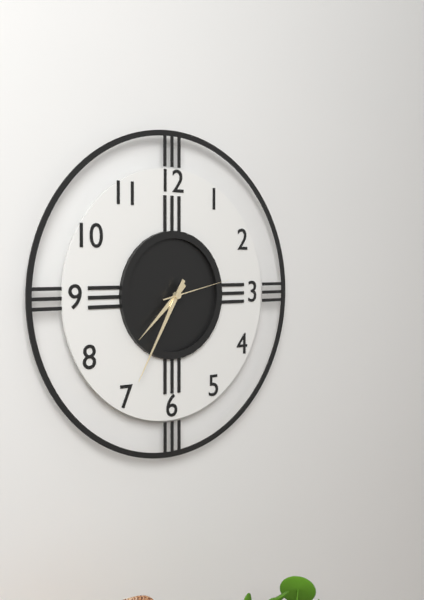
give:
7.35.13
